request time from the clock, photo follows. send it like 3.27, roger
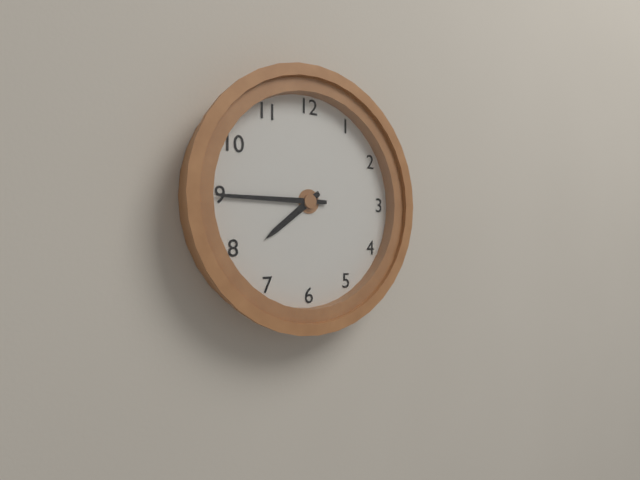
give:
7.45
